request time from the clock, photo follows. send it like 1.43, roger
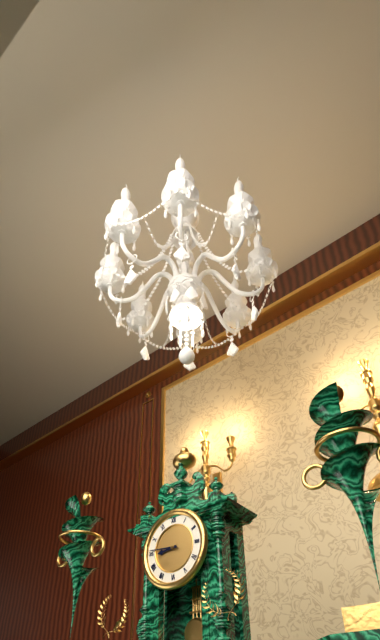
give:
8.46
